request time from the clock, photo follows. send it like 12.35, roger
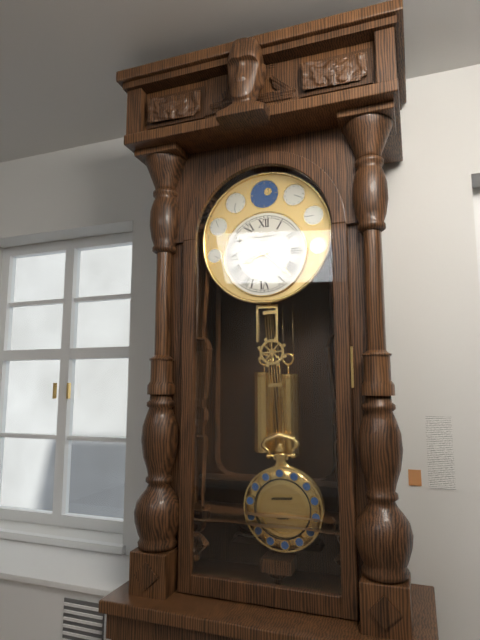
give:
8.22
